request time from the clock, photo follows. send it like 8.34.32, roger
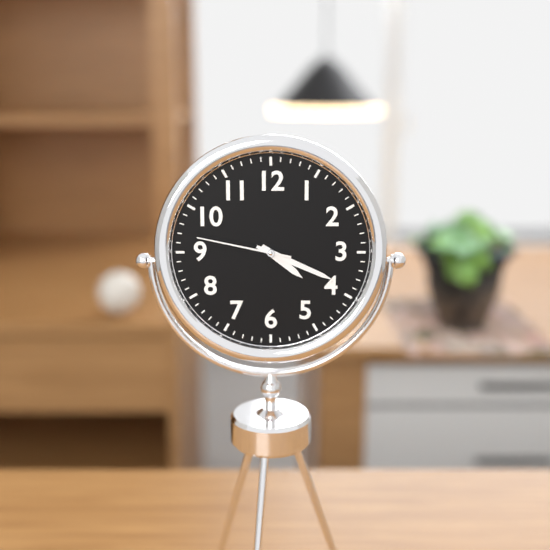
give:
4.19.47
